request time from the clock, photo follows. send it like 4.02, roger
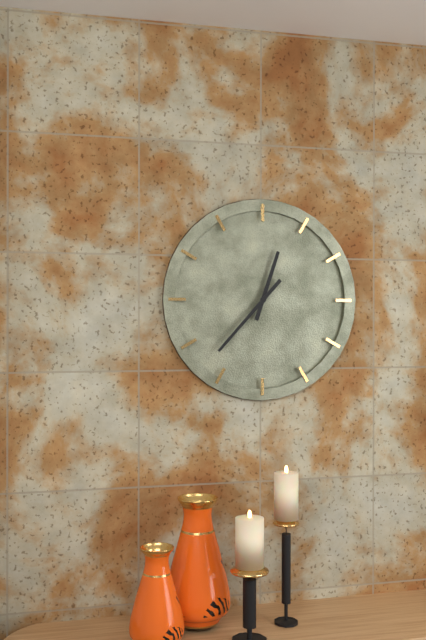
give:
12.37
